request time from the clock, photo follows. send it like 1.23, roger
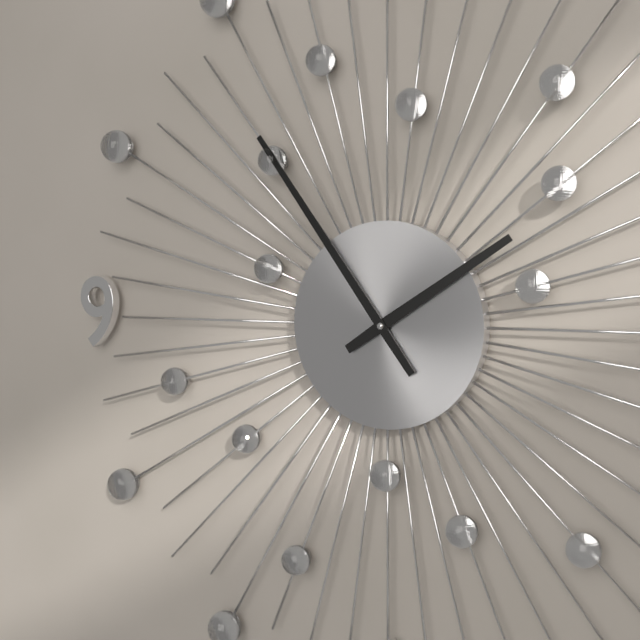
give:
1.54
